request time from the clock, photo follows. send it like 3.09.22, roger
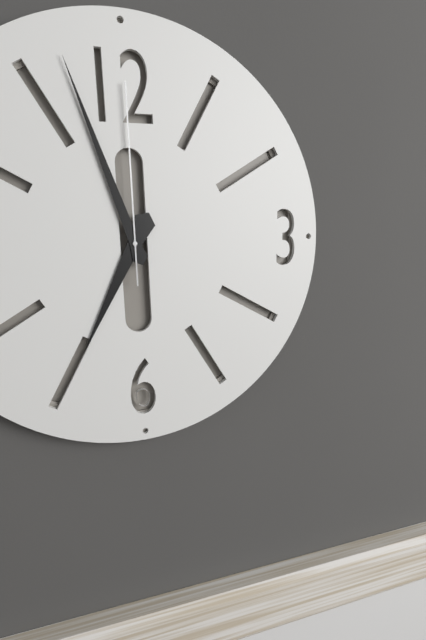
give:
6.57.00
